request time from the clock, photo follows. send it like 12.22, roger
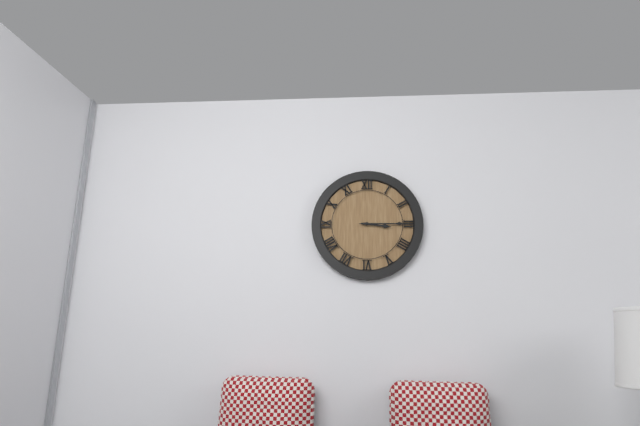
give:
3.15
